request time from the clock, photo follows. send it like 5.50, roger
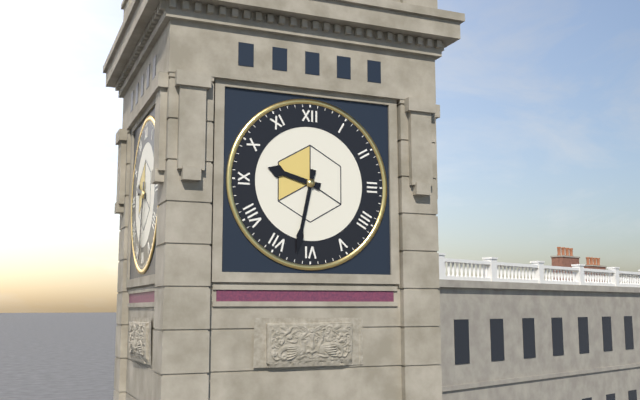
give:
9.32
